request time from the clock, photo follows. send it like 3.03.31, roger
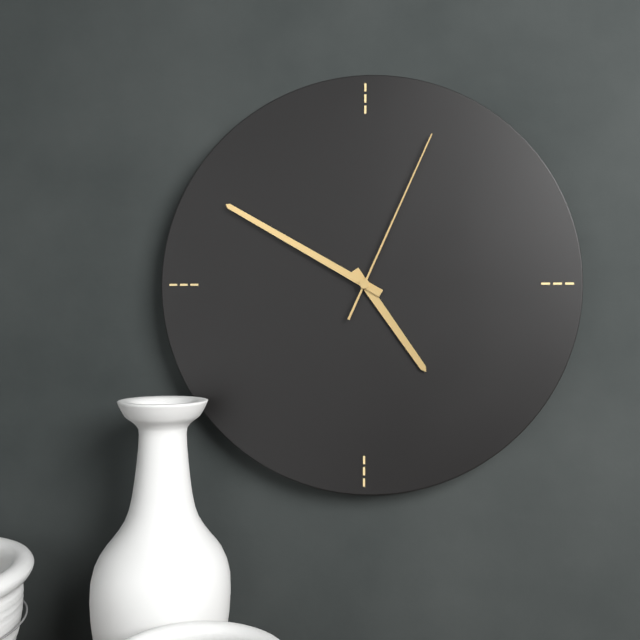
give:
4.50.04
